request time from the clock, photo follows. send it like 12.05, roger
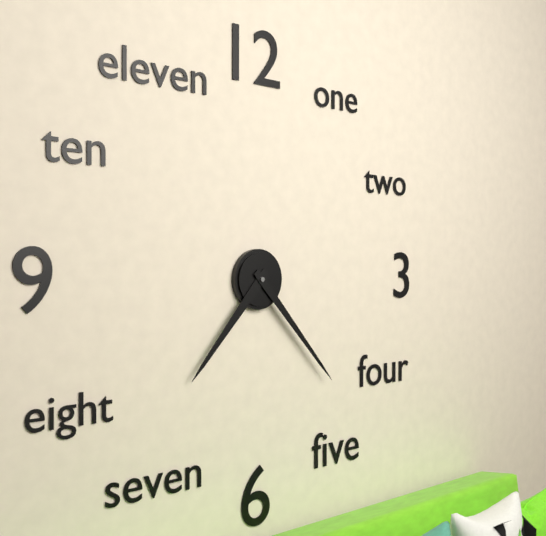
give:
7.23
